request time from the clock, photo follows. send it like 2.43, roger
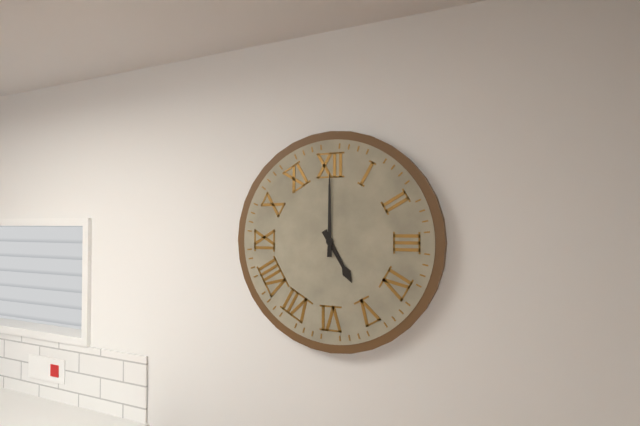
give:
5.00
